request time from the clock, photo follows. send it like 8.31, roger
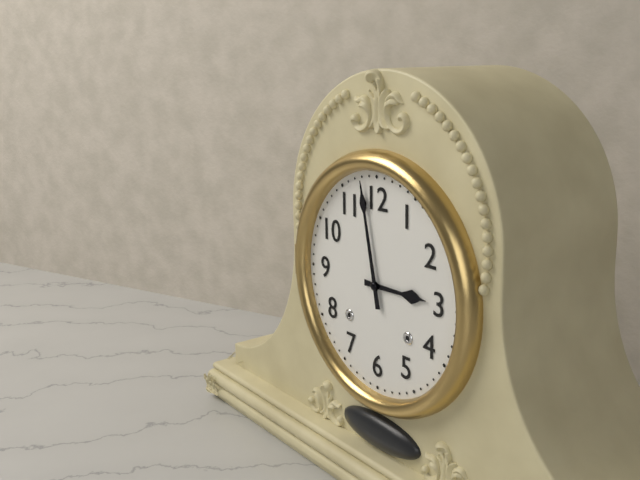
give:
2.58
